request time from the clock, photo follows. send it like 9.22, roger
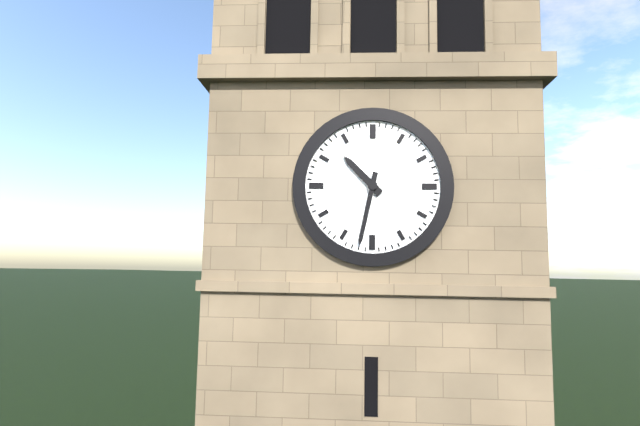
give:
10.32
